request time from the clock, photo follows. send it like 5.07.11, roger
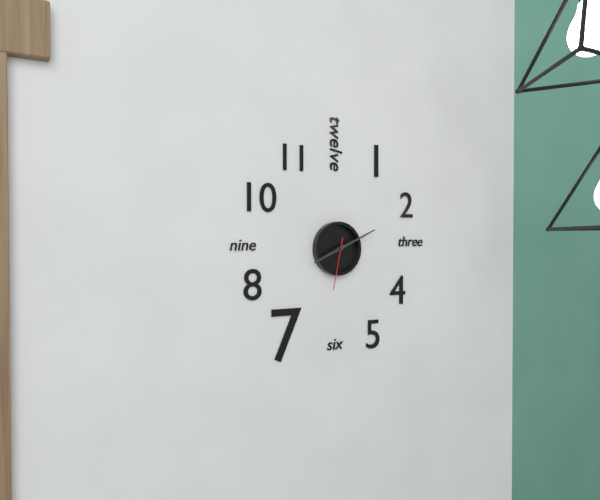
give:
8.11.32
